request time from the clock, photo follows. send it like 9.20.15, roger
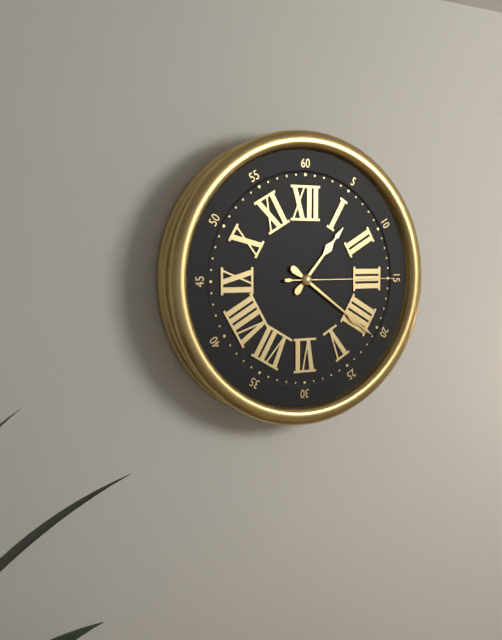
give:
1.21.15
